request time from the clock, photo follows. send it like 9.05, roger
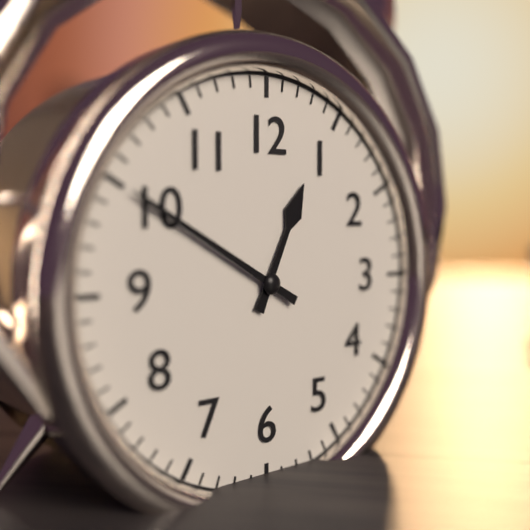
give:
12.50
